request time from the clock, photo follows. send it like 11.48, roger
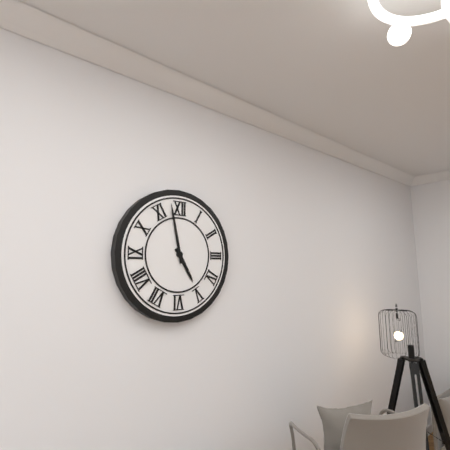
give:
4.58
